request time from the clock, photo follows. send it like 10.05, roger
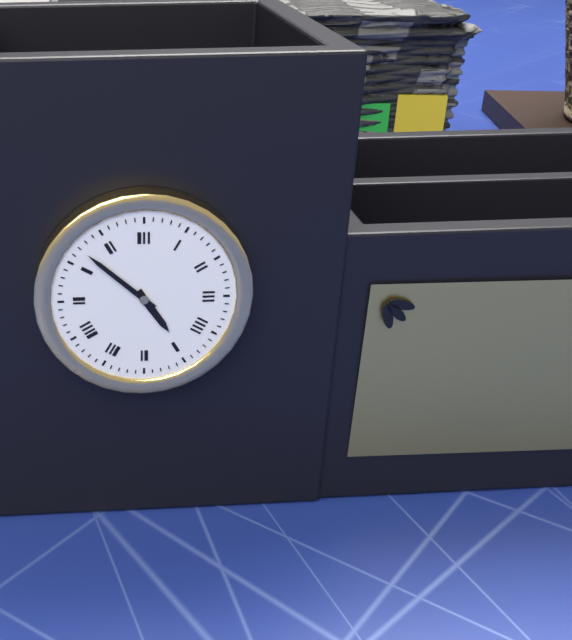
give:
4.52
